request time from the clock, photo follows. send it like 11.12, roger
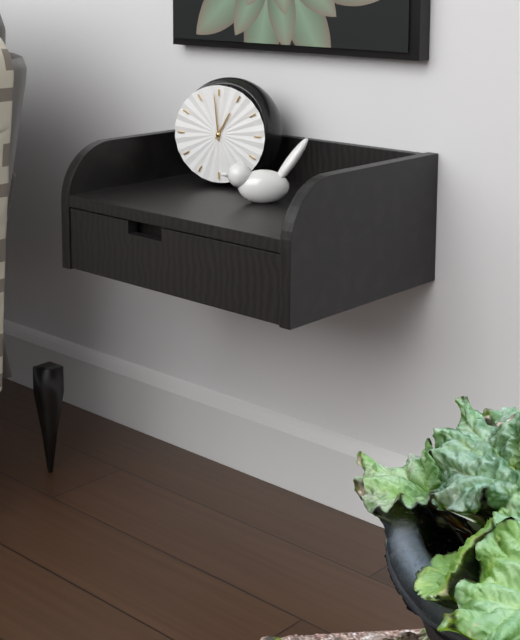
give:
12.59
